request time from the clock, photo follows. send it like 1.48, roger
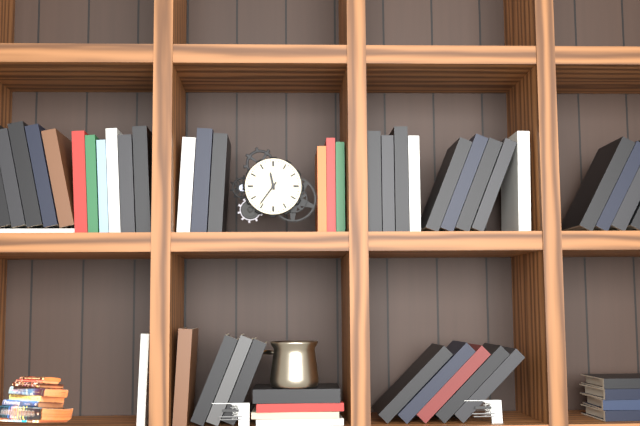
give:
11.36
